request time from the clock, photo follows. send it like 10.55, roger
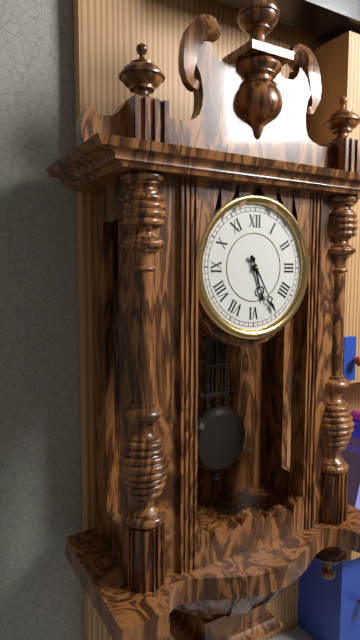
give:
5.25
